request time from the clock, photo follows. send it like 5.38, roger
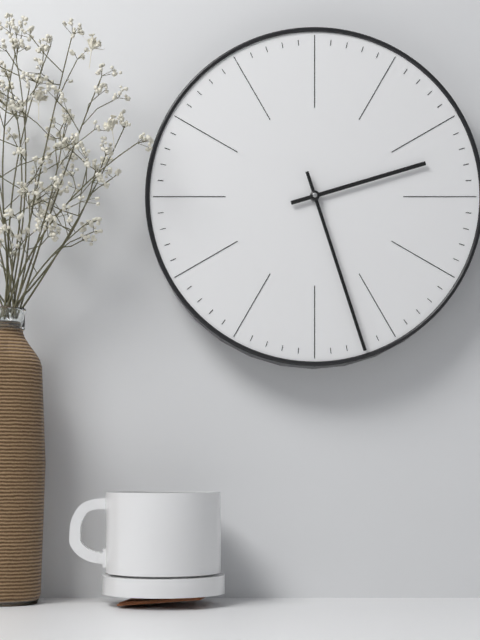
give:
2.27
